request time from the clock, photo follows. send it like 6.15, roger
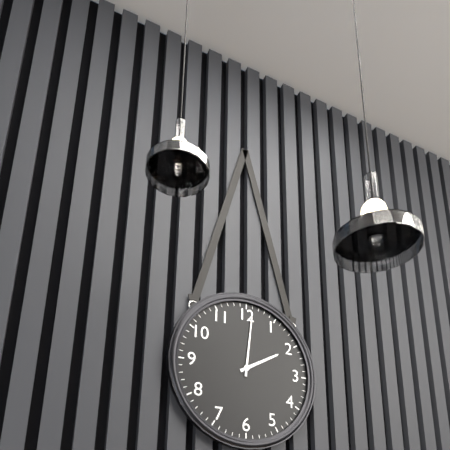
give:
2.01
